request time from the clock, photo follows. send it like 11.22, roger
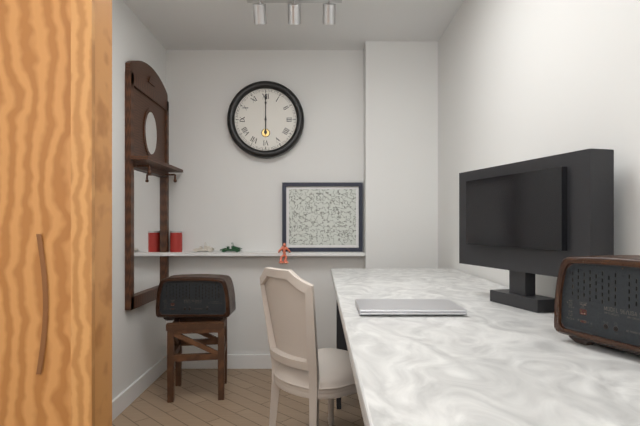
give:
6.00
